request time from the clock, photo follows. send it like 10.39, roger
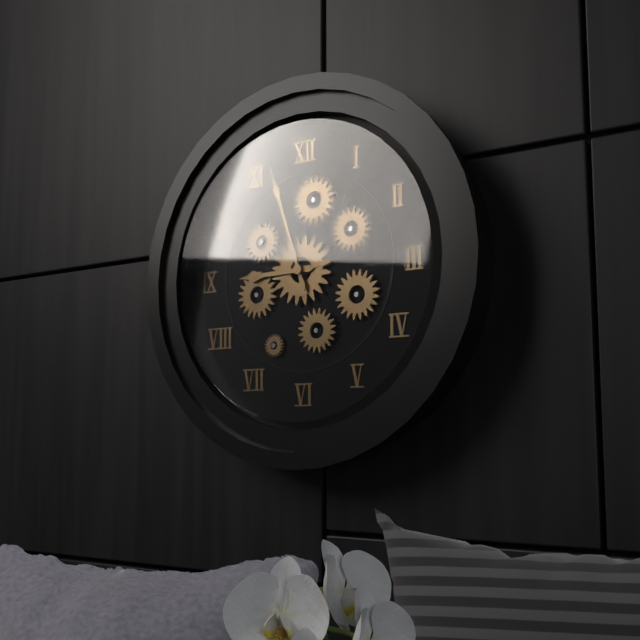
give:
8.57
